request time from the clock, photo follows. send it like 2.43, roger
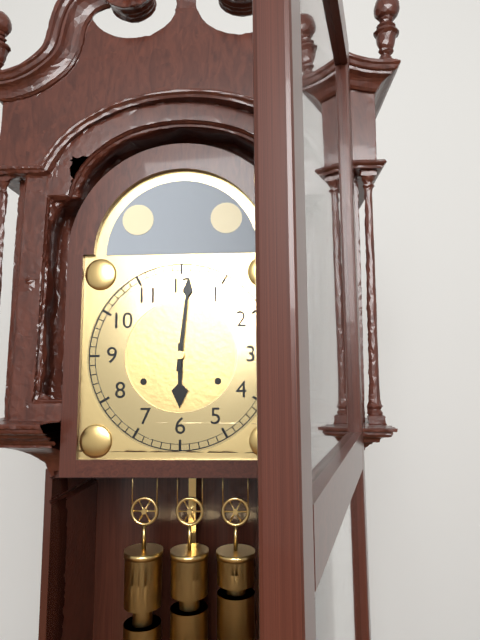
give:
6.01
